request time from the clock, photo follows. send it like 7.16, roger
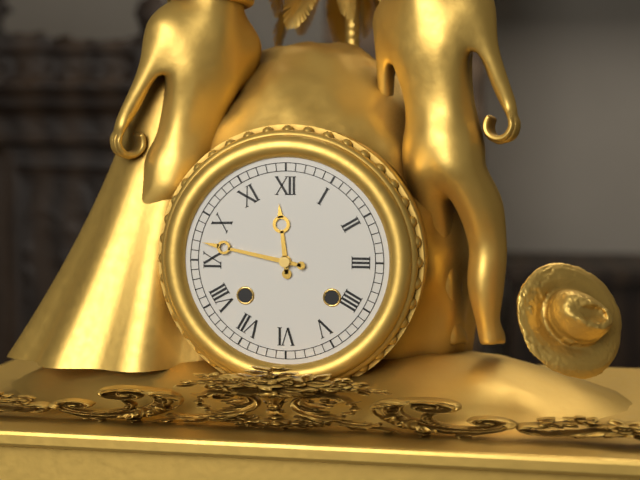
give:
11.47
